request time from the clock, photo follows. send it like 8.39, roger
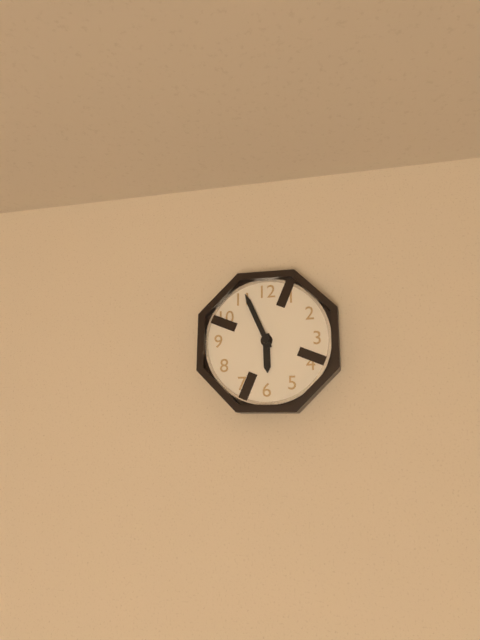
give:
5.56
